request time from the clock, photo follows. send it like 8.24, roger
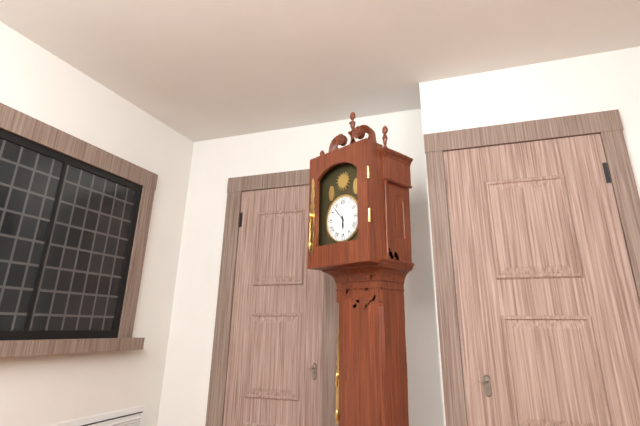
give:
5.53
